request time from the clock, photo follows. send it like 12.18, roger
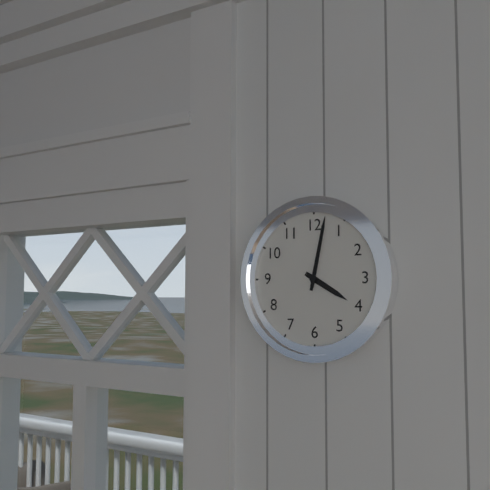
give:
4.02
